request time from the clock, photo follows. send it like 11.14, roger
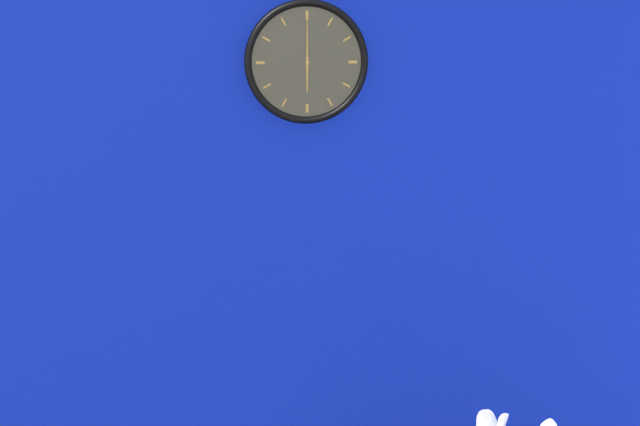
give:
6.00
